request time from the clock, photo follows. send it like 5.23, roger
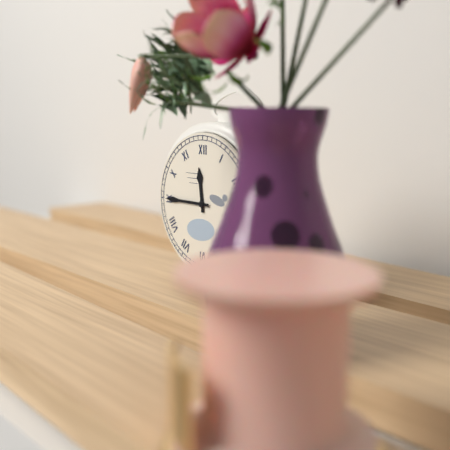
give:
11.45
